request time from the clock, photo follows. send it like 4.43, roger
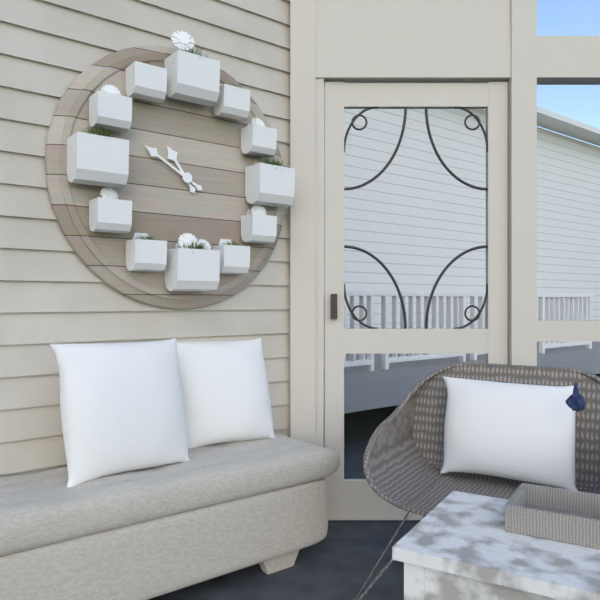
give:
10.50
